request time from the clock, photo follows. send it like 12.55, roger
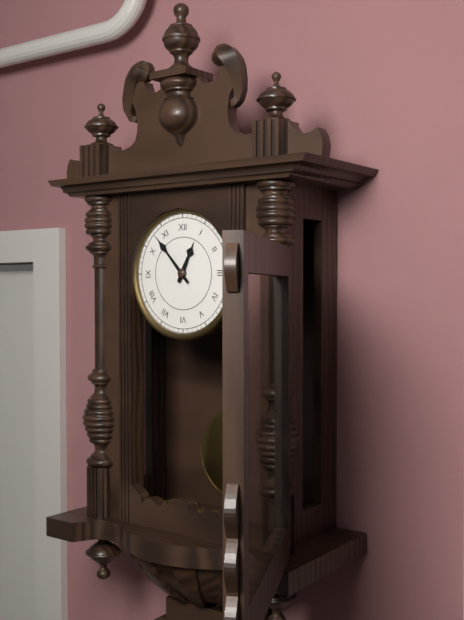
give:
12.53
